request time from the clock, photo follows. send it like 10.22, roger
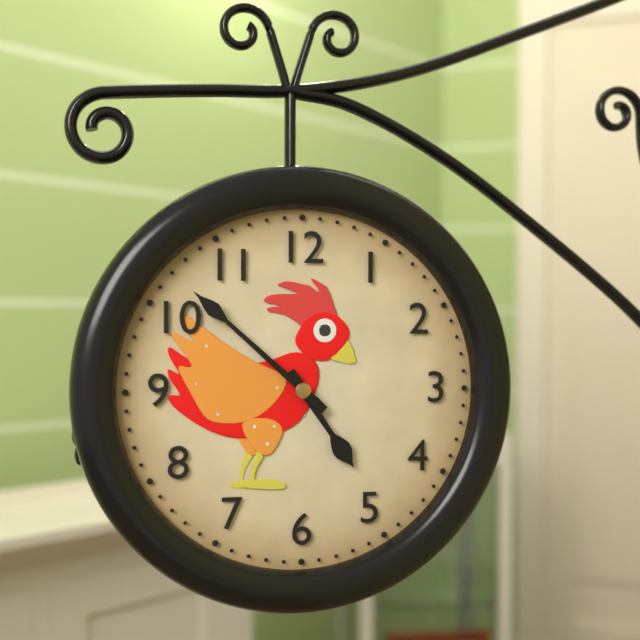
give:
4.52
